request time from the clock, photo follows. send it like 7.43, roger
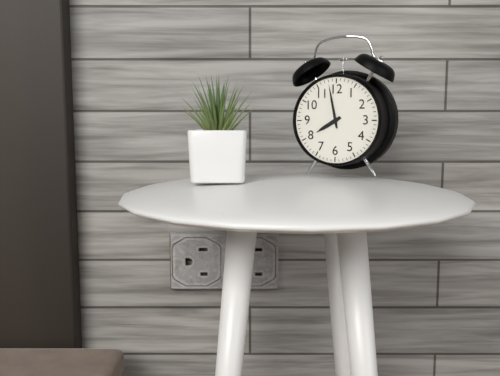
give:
7.58
